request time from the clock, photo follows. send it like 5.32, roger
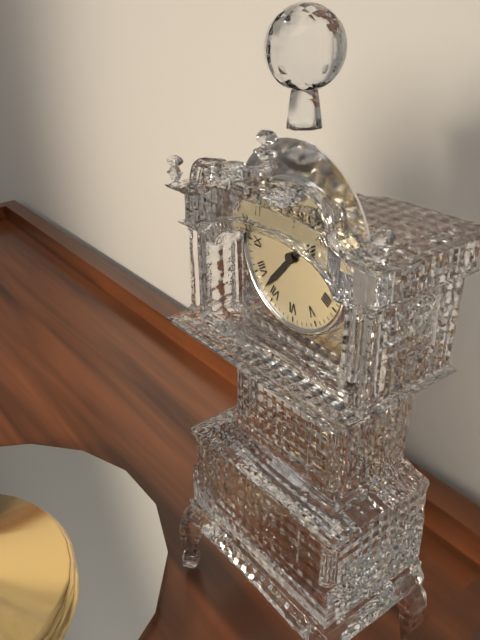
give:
1.37
